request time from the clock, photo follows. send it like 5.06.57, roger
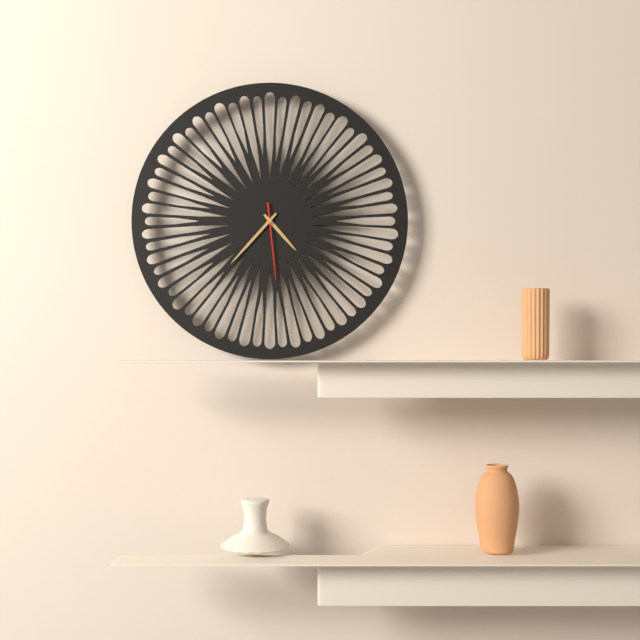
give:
4.37.29
